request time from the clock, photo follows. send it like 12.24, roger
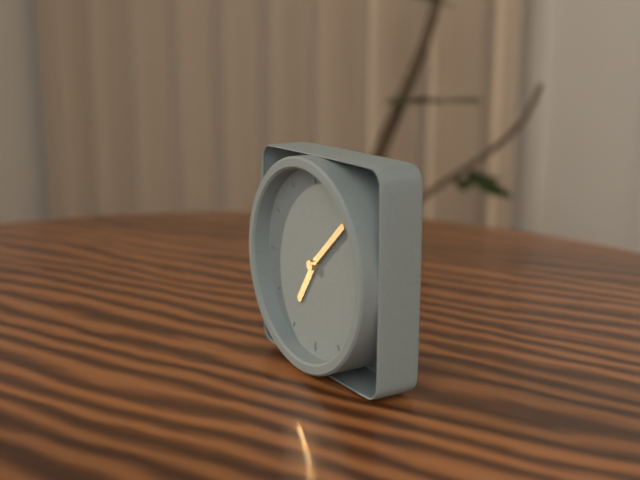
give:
7.08
